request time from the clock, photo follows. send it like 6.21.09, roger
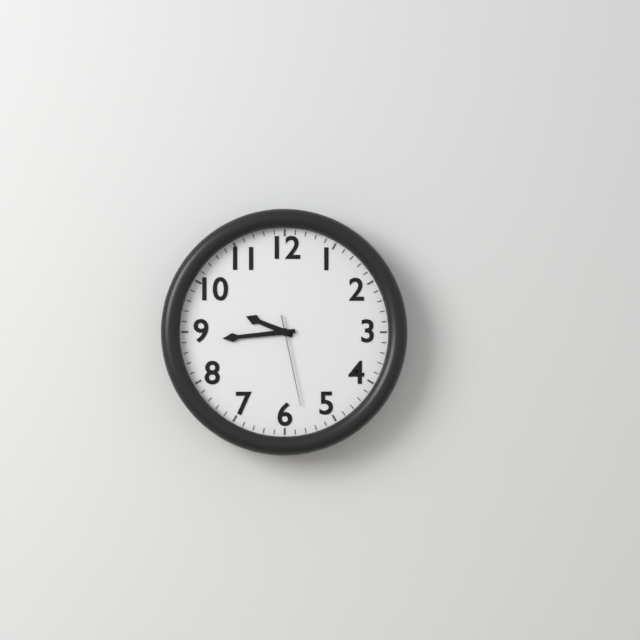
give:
9.44.28
